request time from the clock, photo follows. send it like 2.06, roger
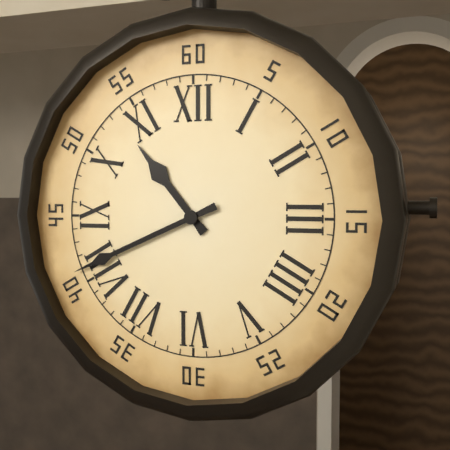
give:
10.41
